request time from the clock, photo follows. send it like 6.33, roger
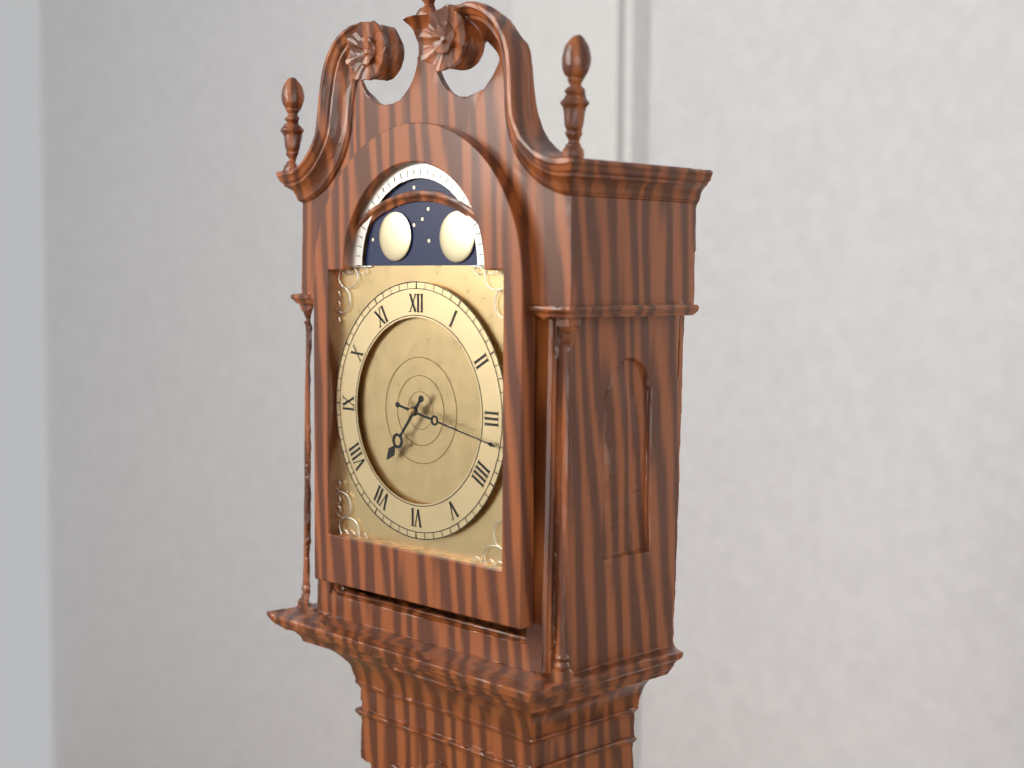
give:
7.17
